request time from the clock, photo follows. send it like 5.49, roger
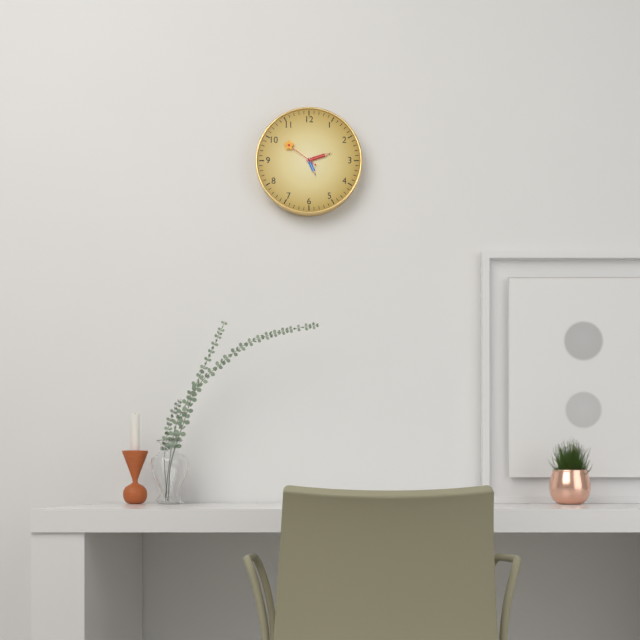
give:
5.12
